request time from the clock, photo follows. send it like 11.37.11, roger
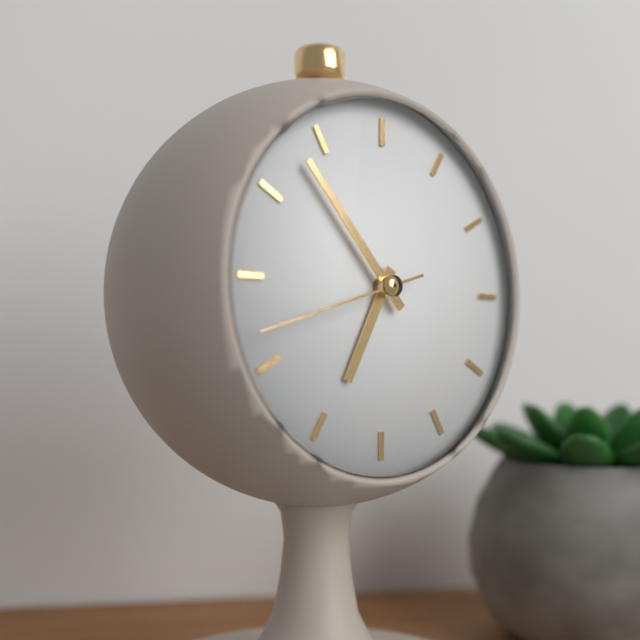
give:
6.53.42
